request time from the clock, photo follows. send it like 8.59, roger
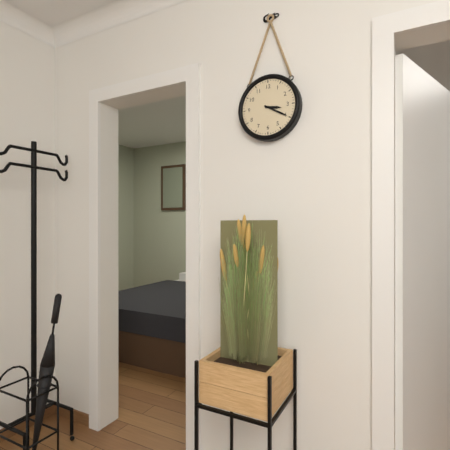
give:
3.20
